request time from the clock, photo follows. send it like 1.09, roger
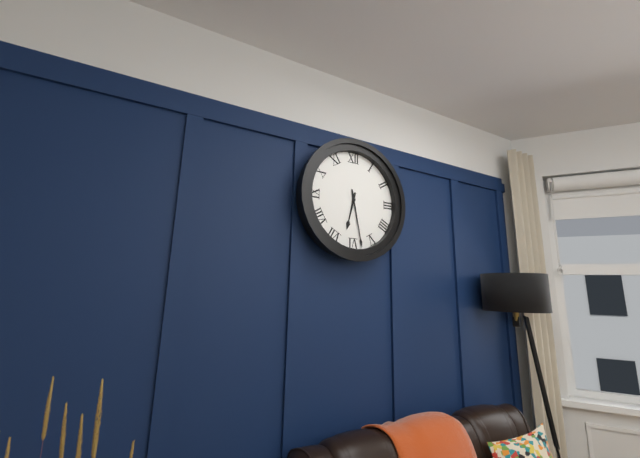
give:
6.28
